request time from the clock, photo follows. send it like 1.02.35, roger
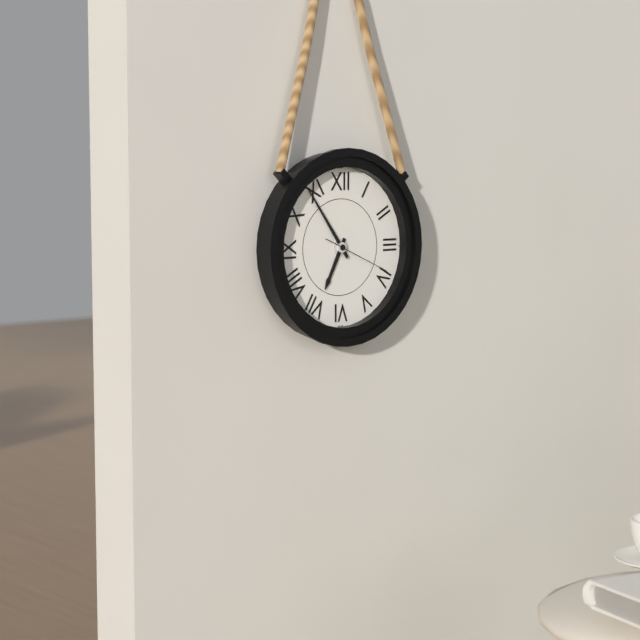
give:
6.54.19
